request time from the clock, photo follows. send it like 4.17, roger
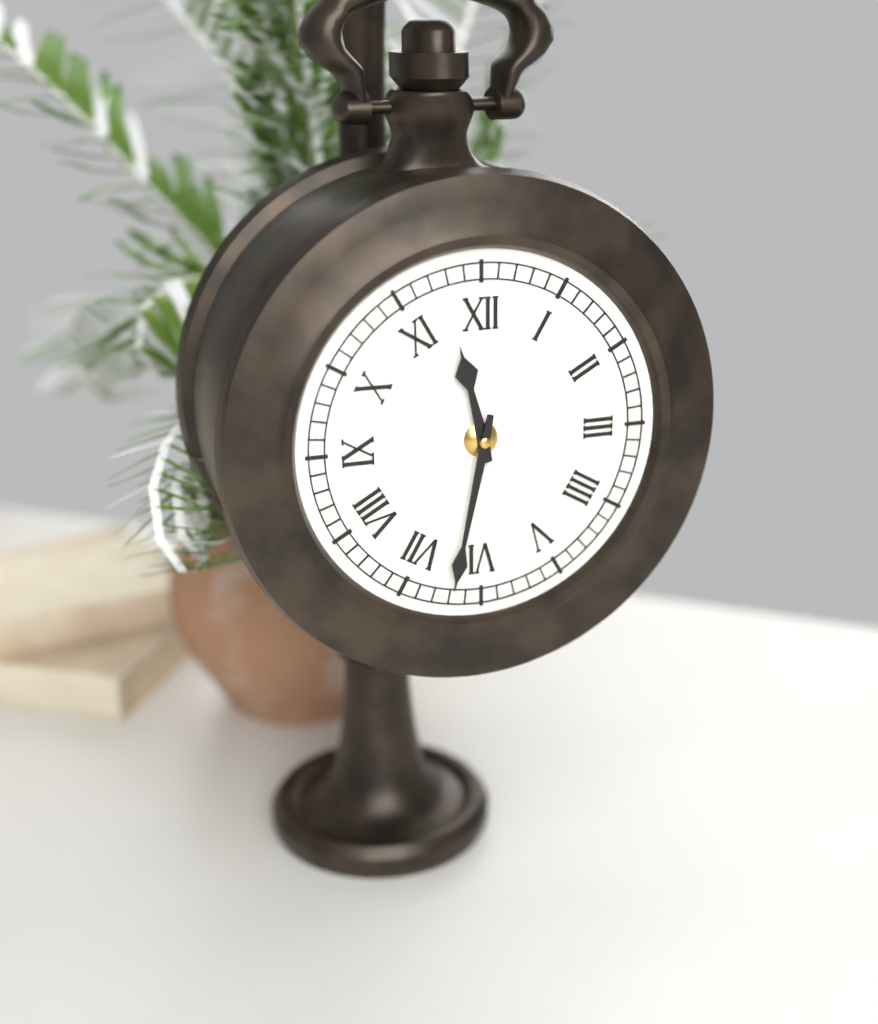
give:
11.32
